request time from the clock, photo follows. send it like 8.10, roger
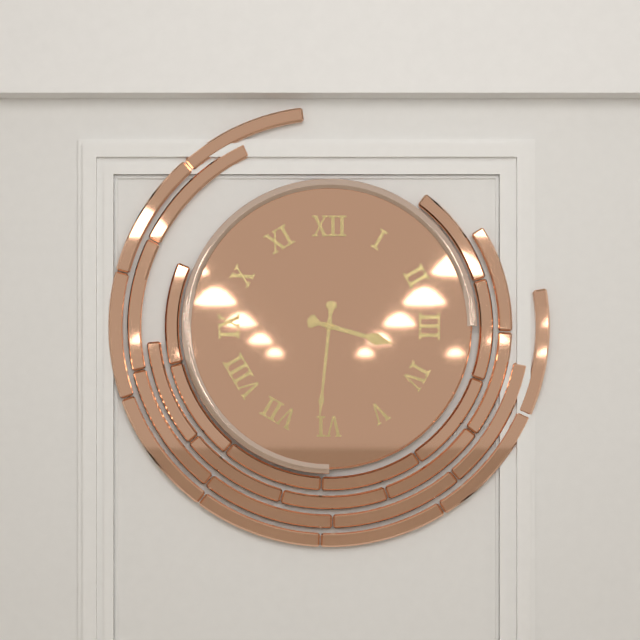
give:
3.31
